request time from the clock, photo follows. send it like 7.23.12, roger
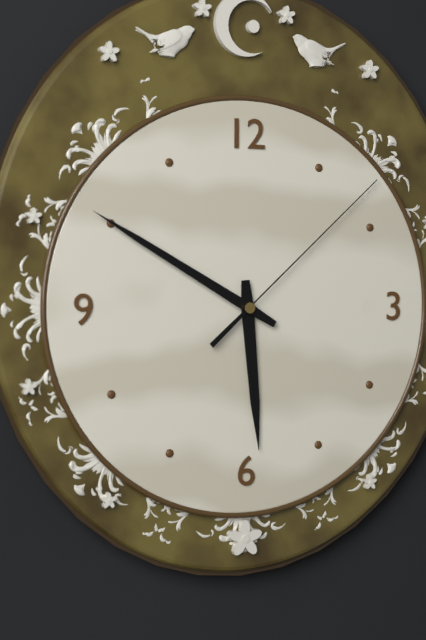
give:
5.50.08
